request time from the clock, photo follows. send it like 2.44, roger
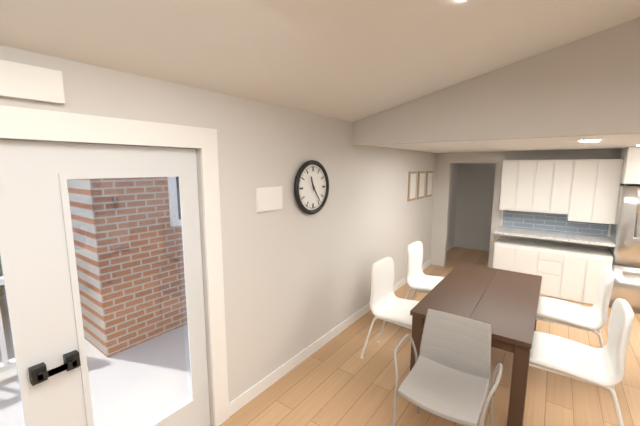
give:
11.24
